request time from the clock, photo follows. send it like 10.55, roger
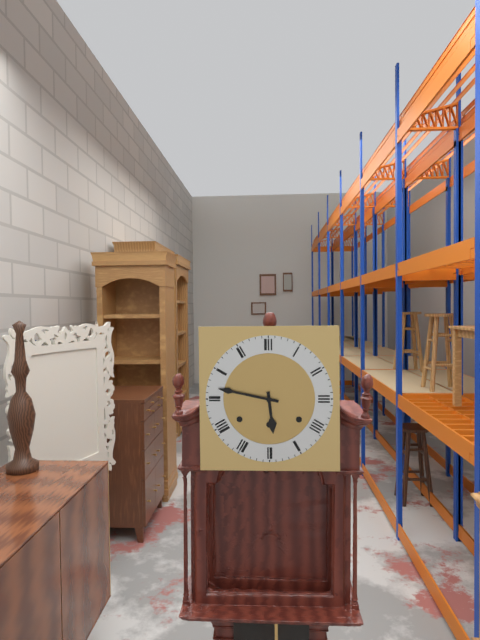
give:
5.47
